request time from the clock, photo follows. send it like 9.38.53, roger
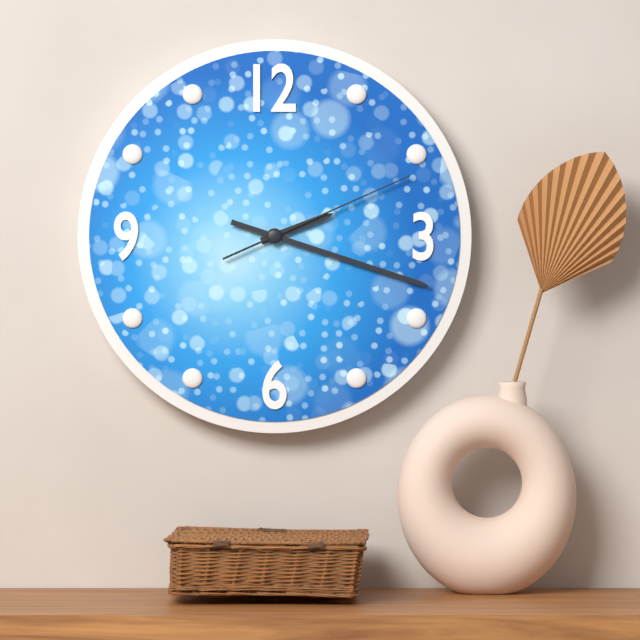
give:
2.18.11
